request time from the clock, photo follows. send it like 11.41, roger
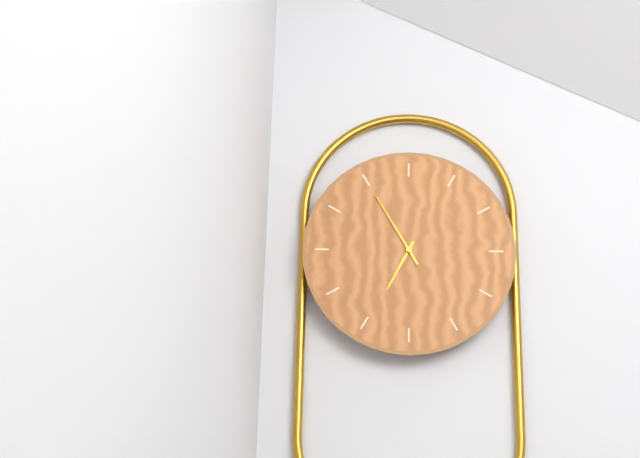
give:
6.55
